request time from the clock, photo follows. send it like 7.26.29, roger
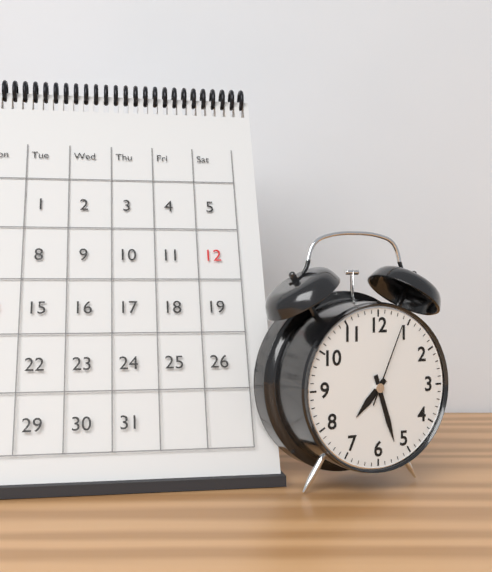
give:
7.27.04
